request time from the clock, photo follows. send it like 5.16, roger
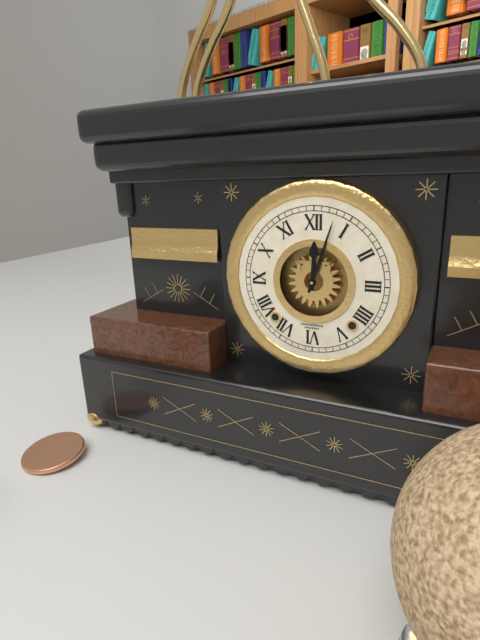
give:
12.03
